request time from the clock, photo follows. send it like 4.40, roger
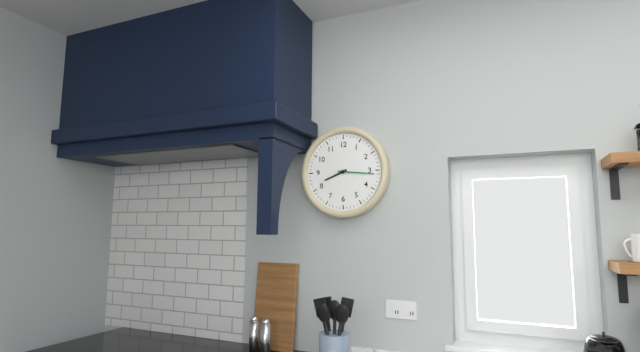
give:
8.16
